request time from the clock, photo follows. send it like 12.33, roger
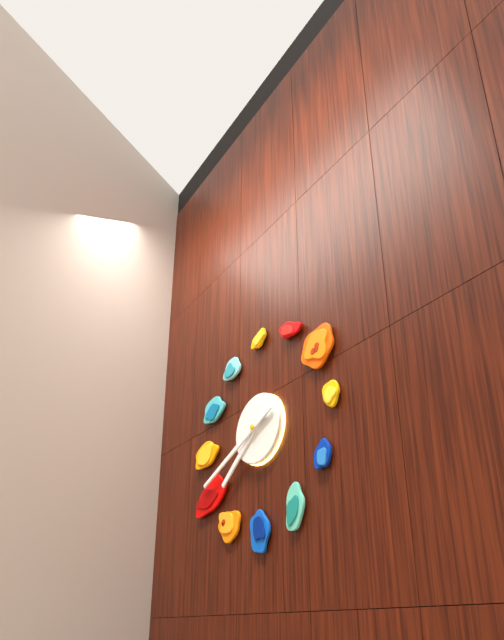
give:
7.41
